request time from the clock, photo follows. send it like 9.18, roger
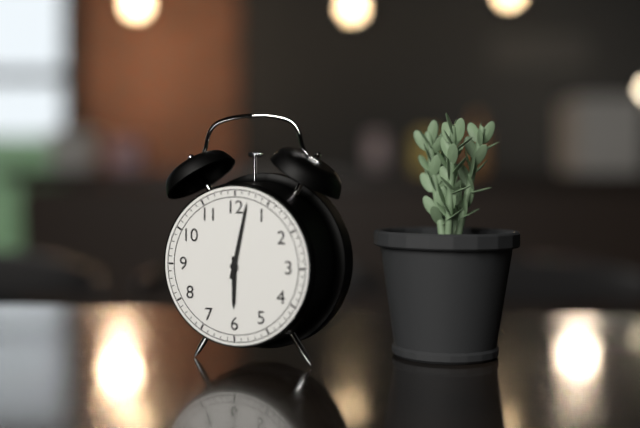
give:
6.02
